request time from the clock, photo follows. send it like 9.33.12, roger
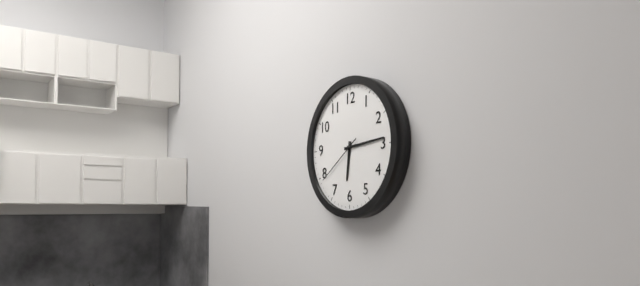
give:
6.14.39
